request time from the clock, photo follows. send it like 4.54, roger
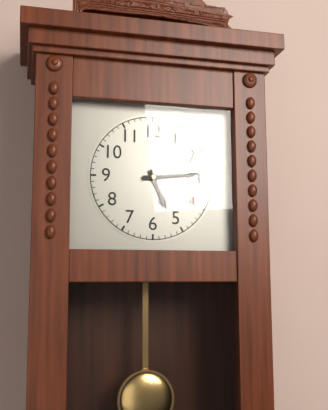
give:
5.14
